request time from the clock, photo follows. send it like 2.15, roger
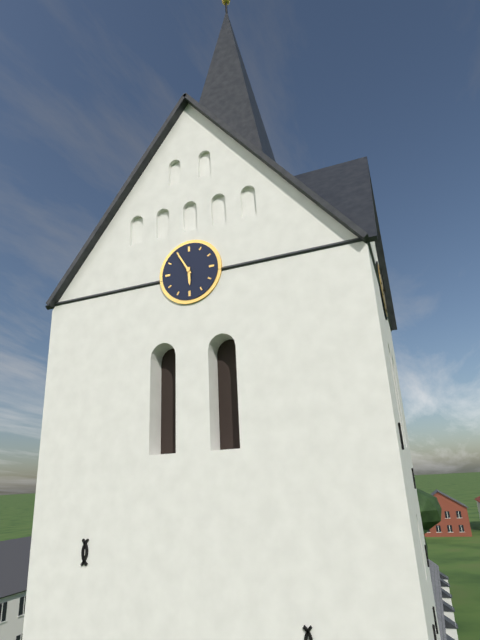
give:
5.55
